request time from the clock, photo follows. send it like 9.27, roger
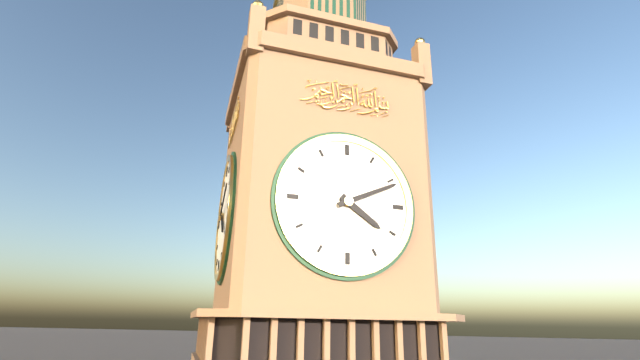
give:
4.11
